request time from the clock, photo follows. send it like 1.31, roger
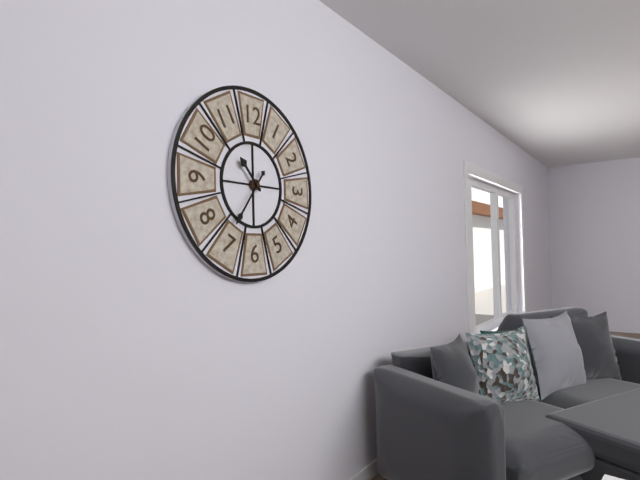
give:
10.36
